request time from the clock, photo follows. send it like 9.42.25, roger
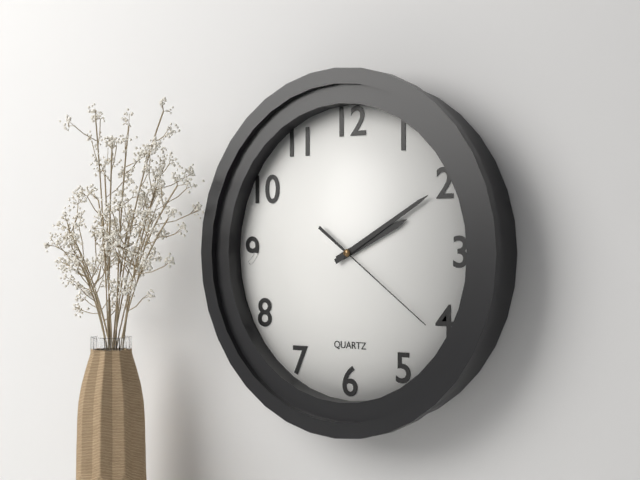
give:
2.10.21
